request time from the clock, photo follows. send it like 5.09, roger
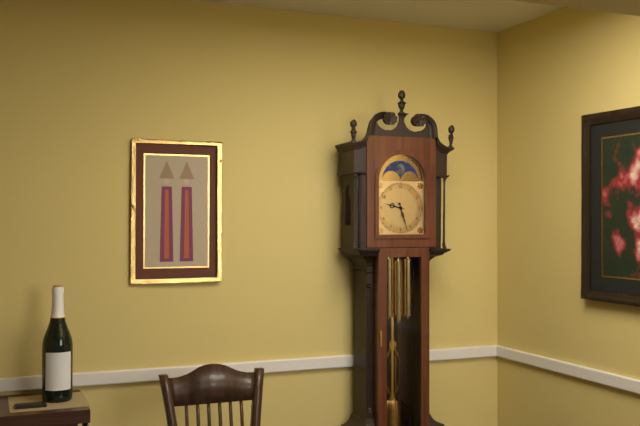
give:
9.27
